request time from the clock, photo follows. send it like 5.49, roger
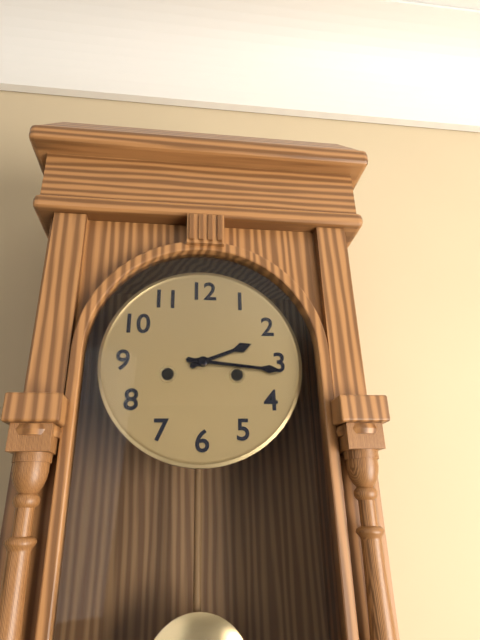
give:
2.16
